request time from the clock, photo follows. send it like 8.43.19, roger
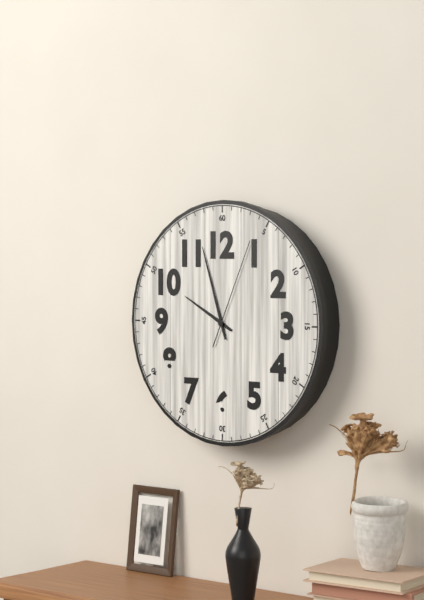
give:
9.57.04
